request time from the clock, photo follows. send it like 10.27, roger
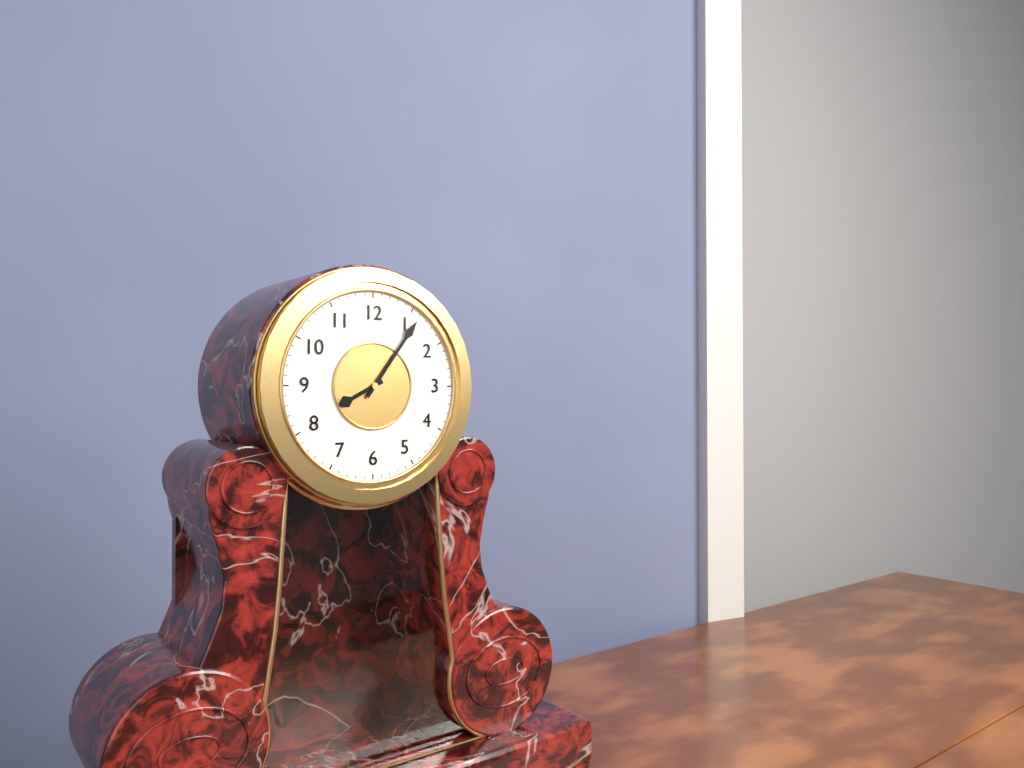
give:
8.06
